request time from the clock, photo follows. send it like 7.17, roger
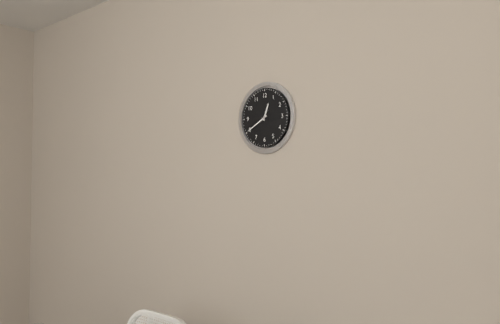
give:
12.40
